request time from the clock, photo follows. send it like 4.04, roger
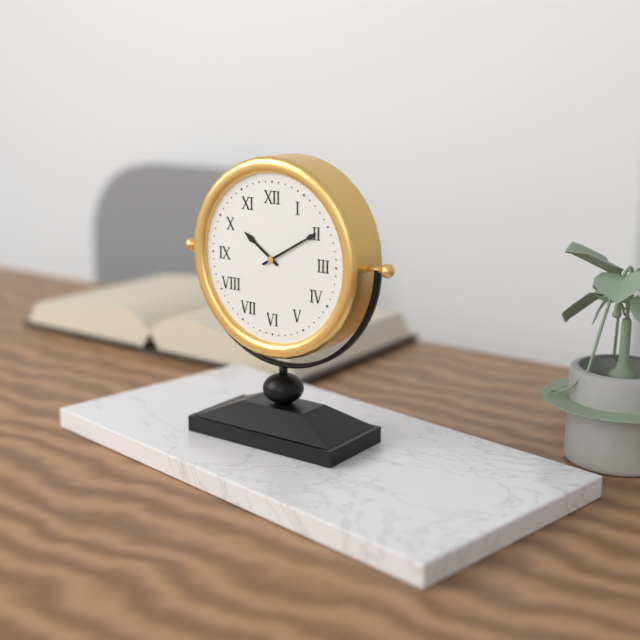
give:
10.10
